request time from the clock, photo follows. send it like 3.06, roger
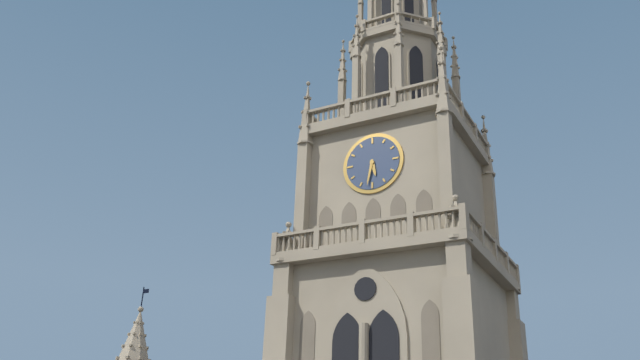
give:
5.32
